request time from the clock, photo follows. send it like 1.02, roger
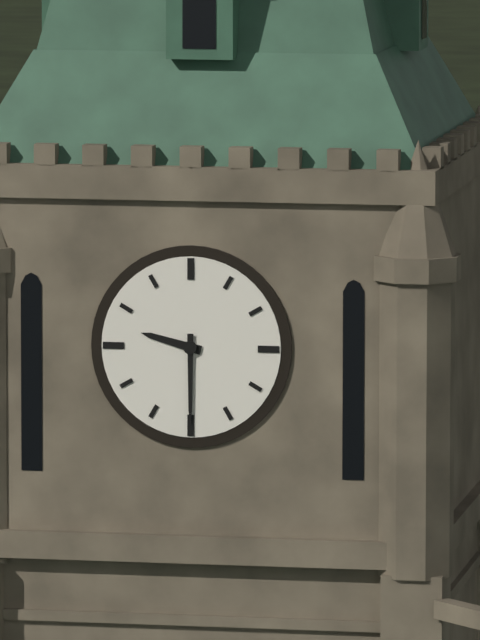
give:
9.30
